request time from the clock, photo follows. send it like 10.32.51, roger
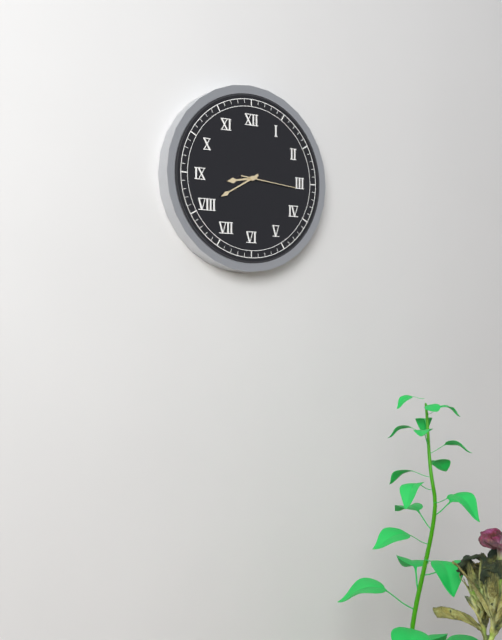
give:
8.40.16
